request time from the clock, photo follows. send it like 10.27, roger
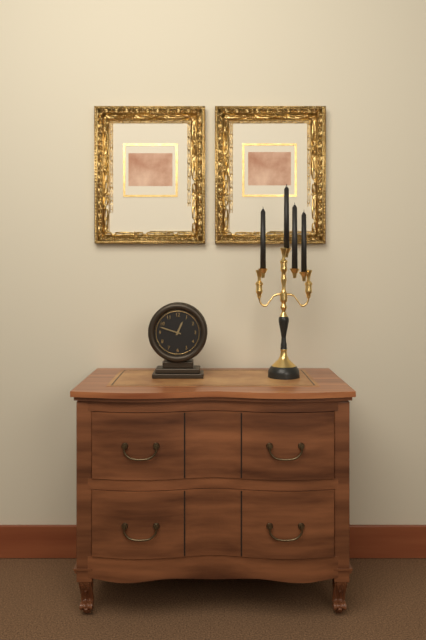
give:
12.48
